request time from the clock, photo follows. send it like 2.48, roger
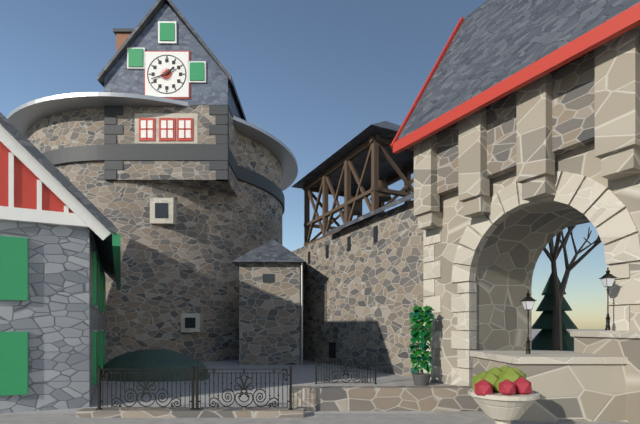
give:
1.42
